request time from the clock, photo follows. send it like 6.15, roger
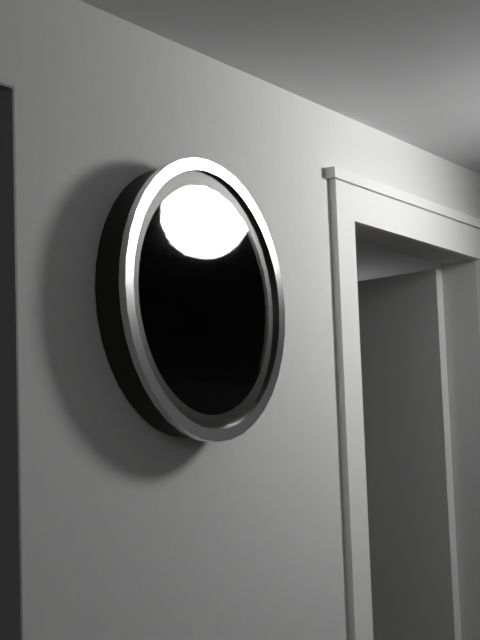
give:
10.55
